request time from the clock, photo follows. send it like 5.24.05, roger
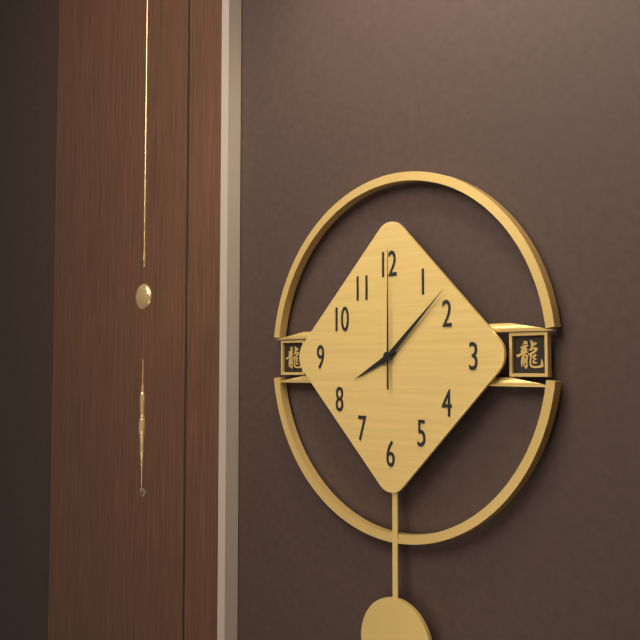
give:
8.08.00
